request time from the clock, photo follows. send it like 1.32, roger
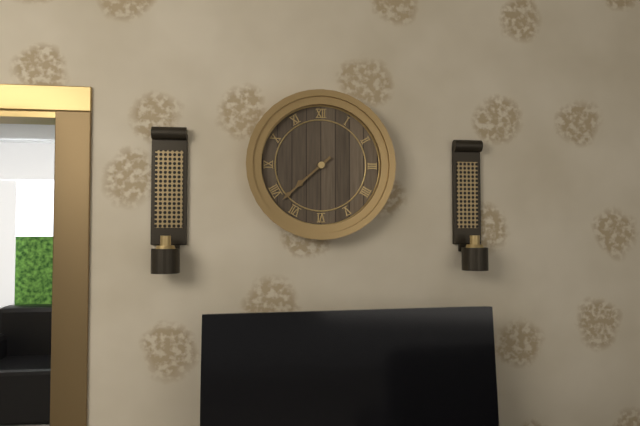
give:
7.38
